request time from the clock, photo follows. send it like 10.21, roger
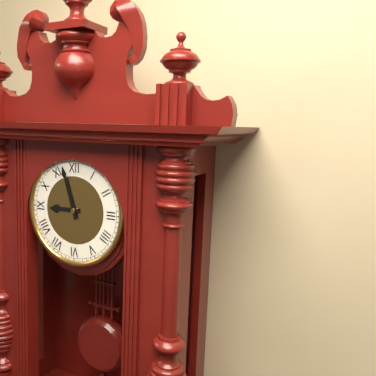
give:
8.57
